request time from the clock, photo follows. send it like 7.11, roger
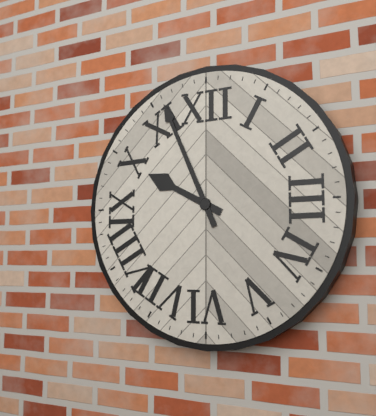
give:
9.56
